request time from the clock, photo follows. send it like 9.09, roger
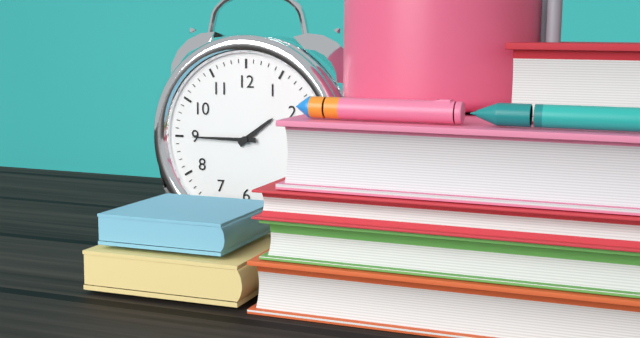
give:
1.45
